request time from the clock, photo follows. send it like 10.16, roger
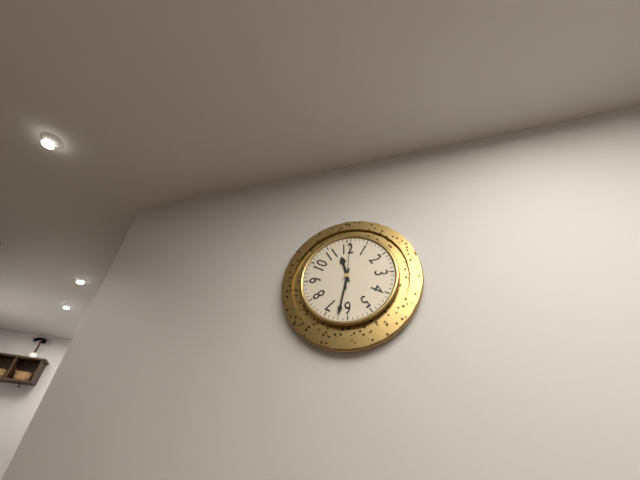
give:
11.32
